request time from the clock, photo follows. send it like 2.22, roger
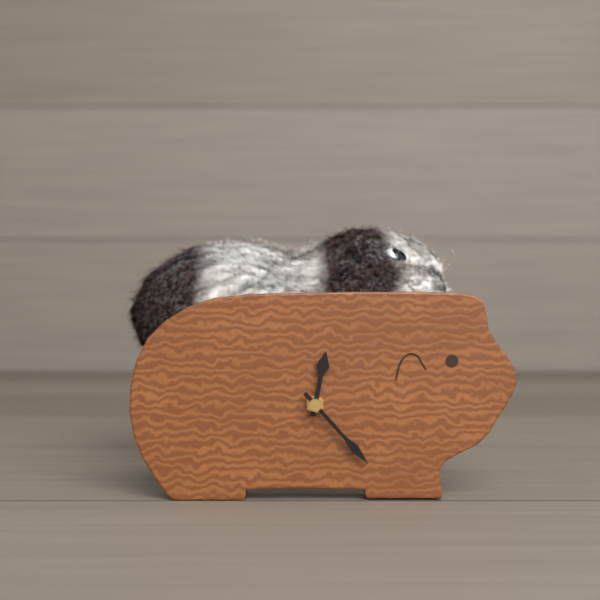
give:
12.23
